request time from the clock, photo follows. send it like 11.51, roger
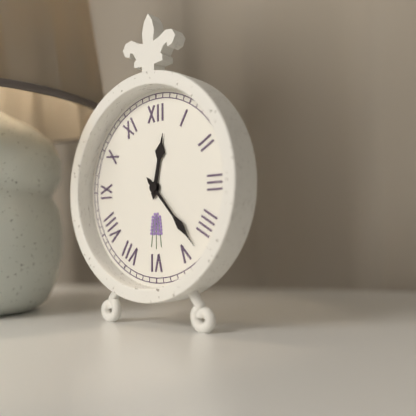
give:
12.23
